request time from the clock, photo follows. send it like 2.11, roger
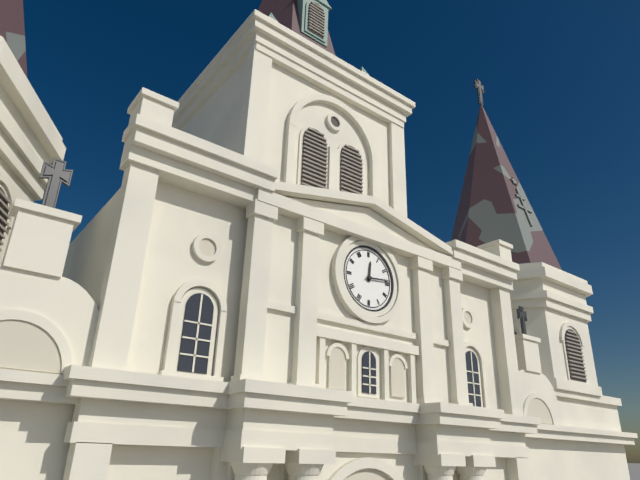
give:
12.14
